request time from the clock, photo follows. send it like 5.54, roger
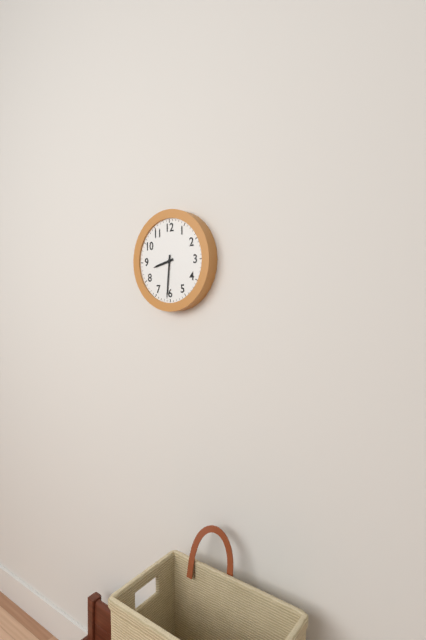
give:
8.31
